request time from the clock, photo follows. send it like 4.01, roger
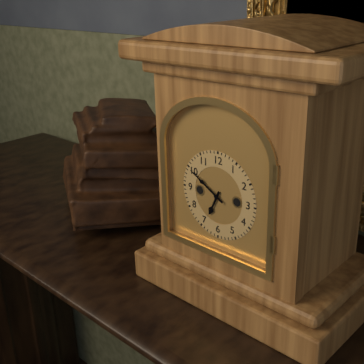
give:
6.50
